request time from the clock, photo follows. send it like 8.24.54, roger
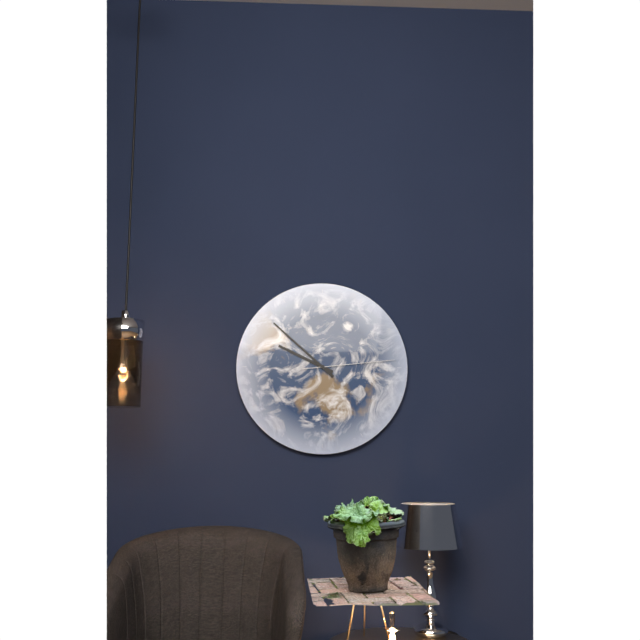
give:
9.52.14
